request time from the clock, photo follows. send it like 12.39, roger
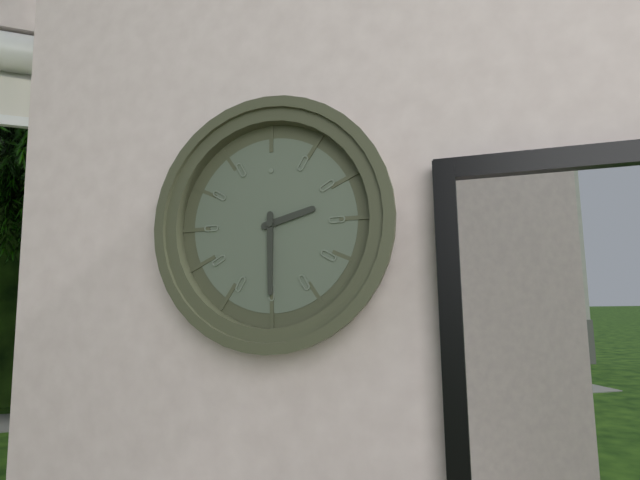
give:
2.30
